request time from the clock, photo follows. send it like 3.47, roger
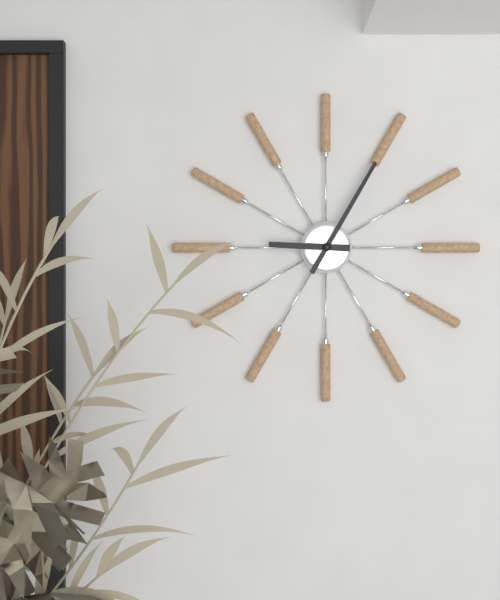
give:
9.05
